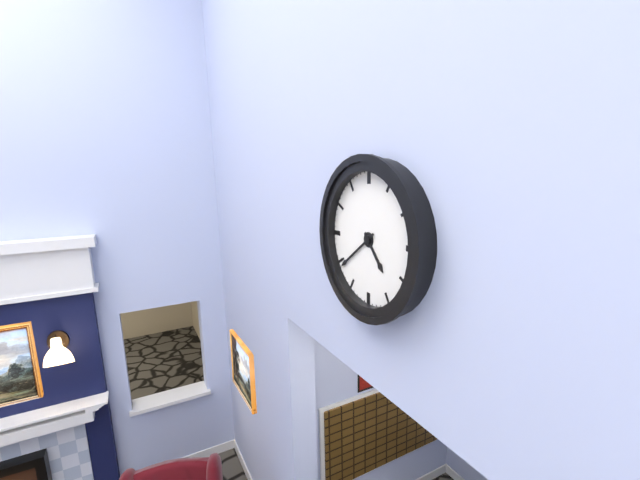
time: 4:39
